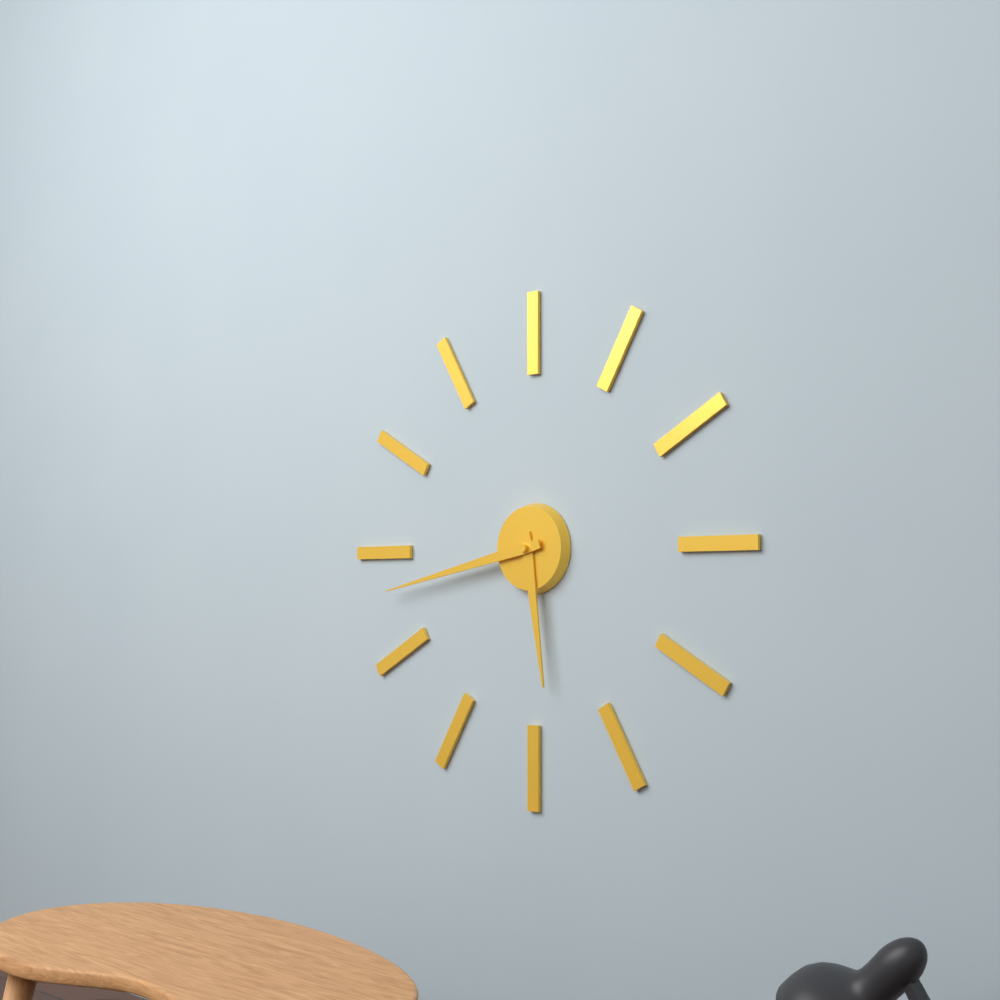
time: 5:43
